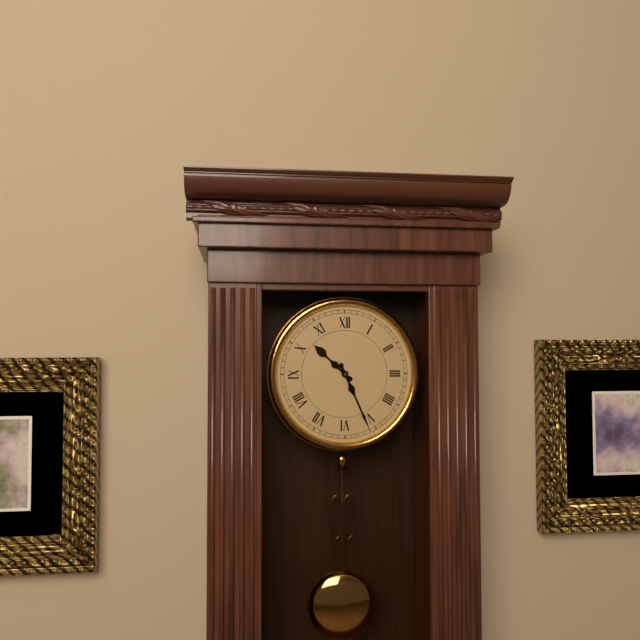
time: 10:26
